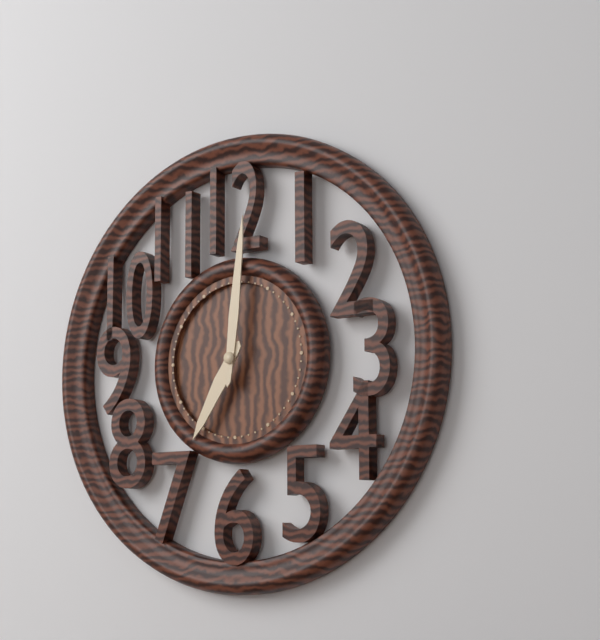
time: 7:01
